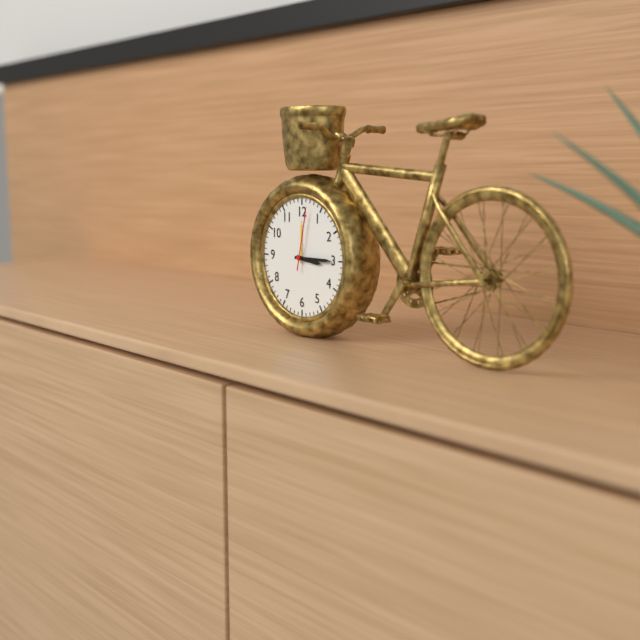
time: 3:15:02
